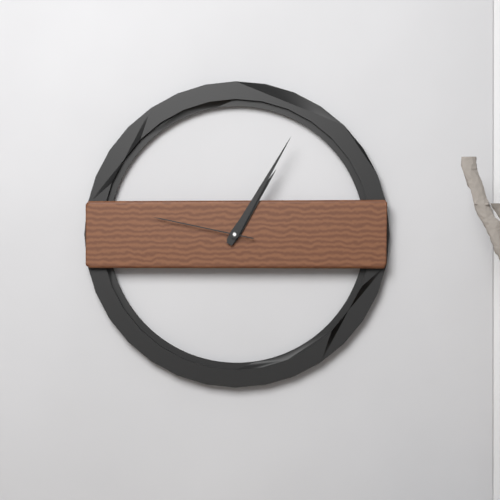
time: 1:05:47
